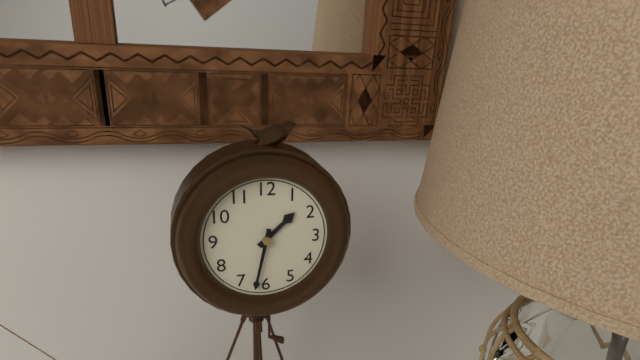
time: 1:32
